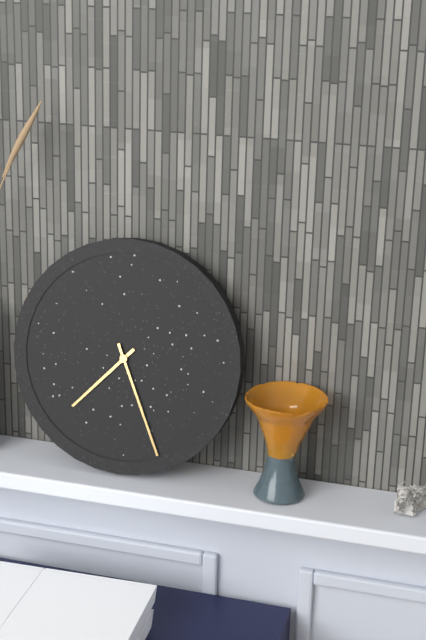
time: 7:26
